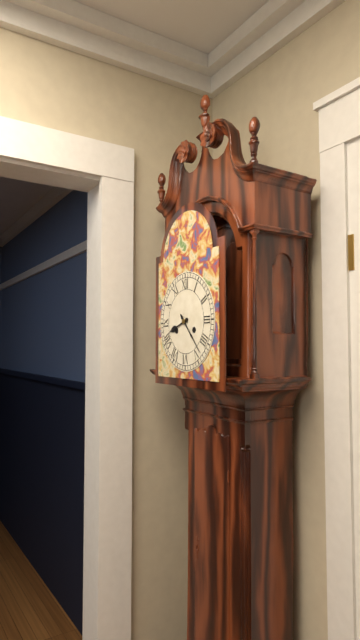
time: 8:23
